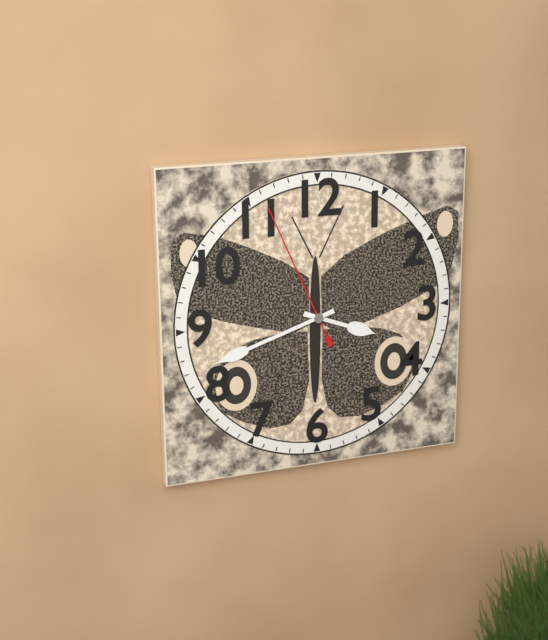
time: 3:42:56
